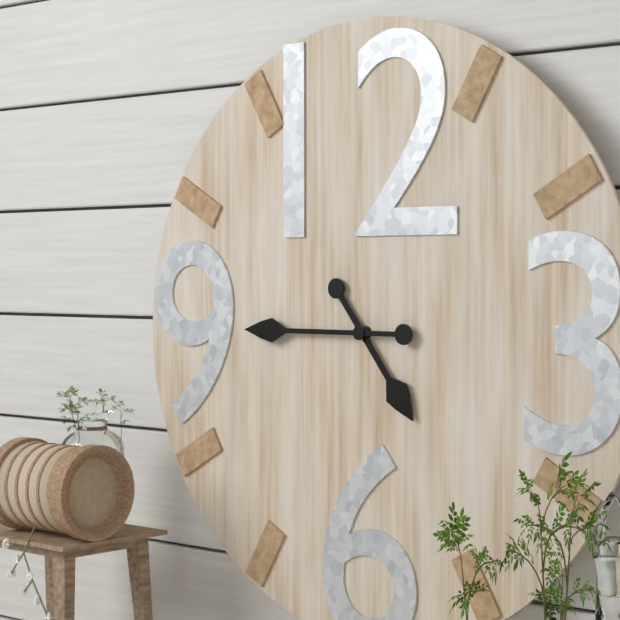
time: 4:45
